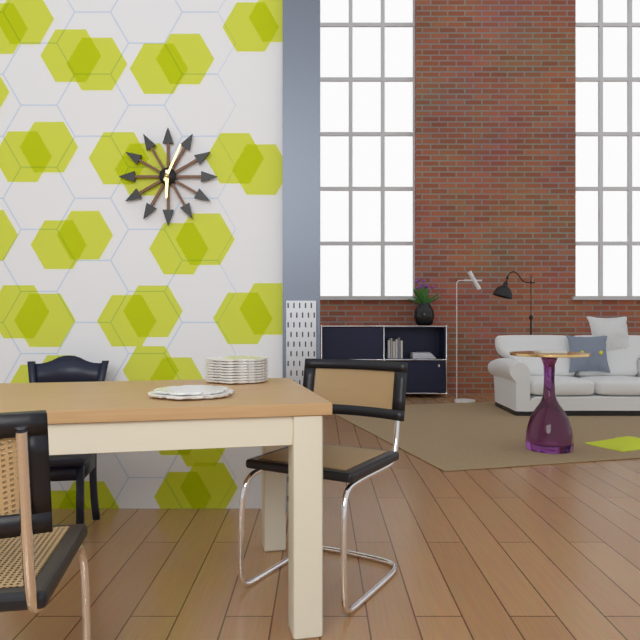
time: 6:04
